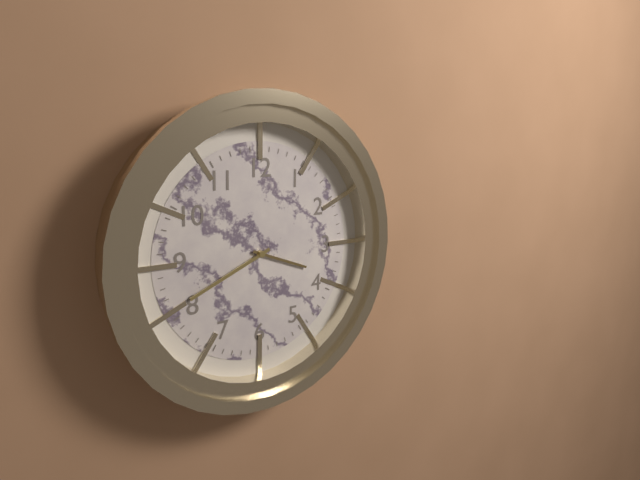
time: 3:41
